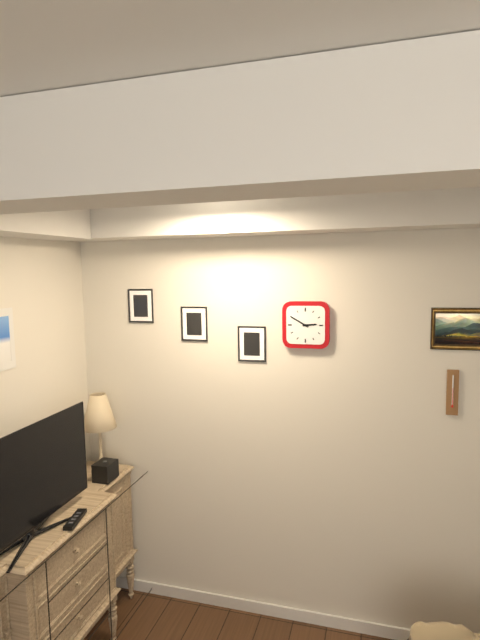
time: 2:50
